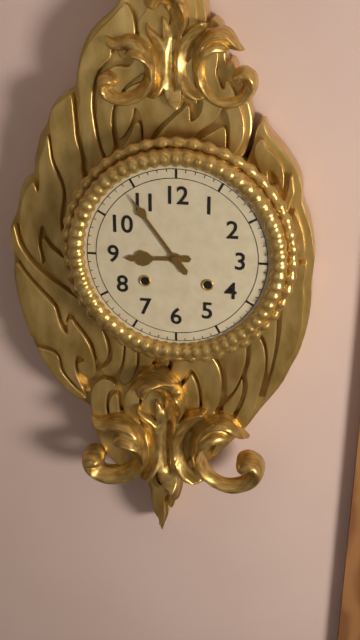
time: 8:54
